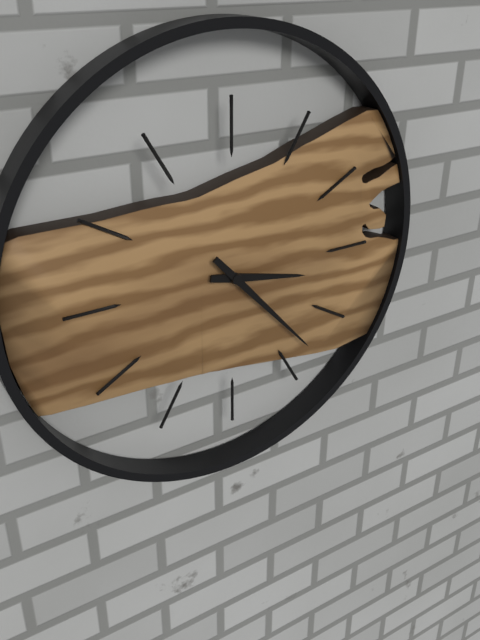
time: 3:23
